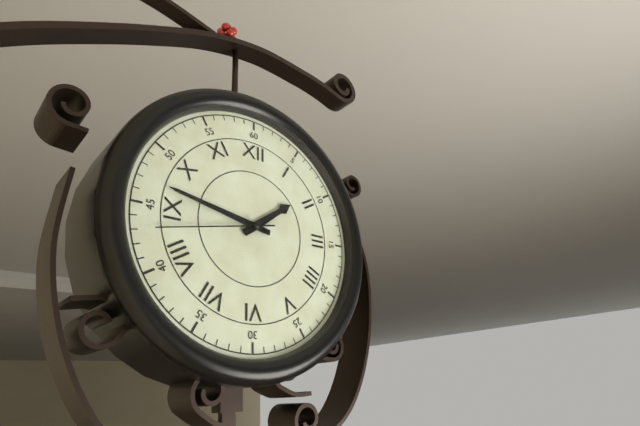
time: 1:47:43
